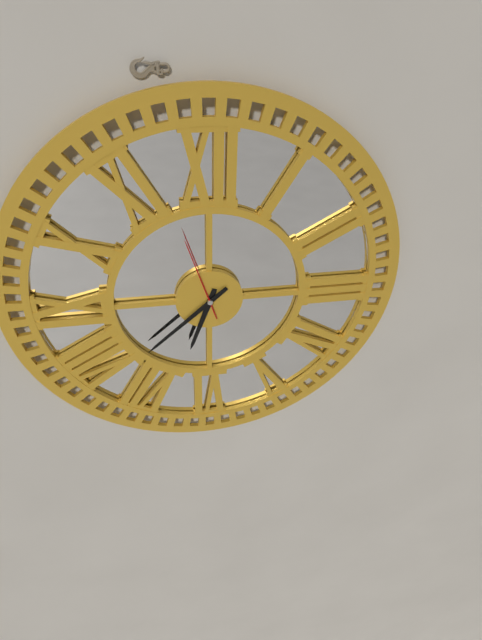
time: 6:38:57
